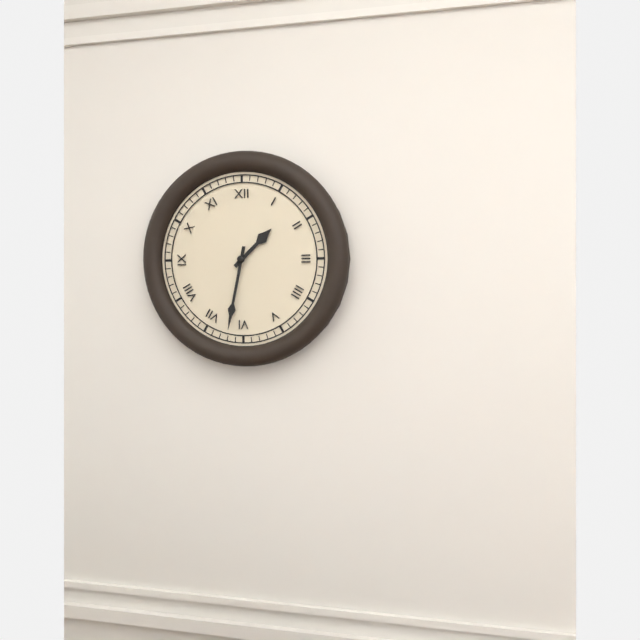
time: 1:32
